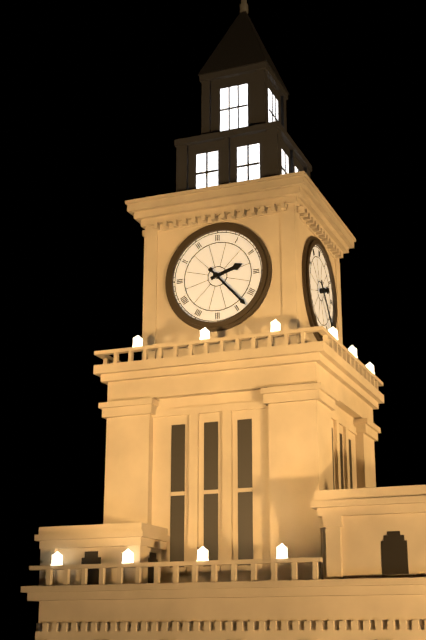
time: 2:23
